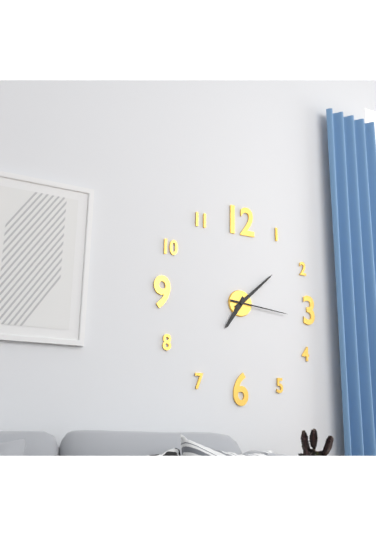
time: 7:08:16
